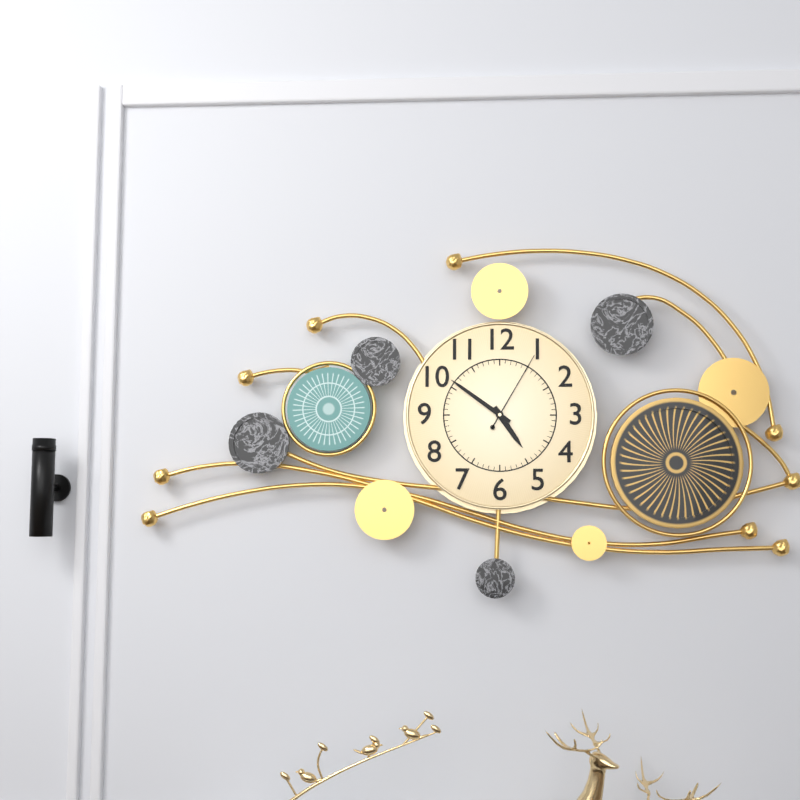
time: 4:51:05
